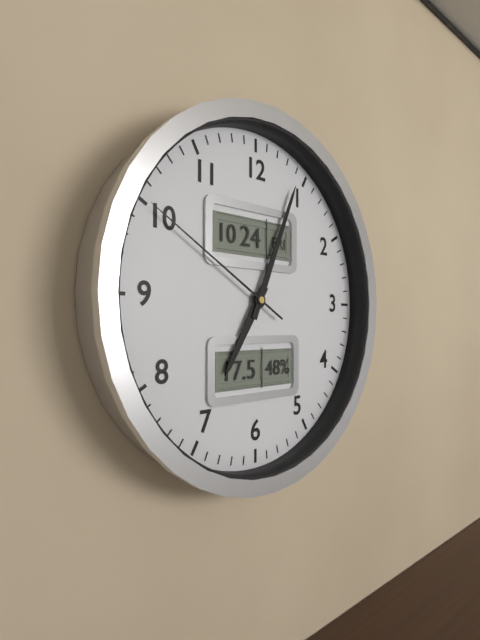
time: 7:04:50
